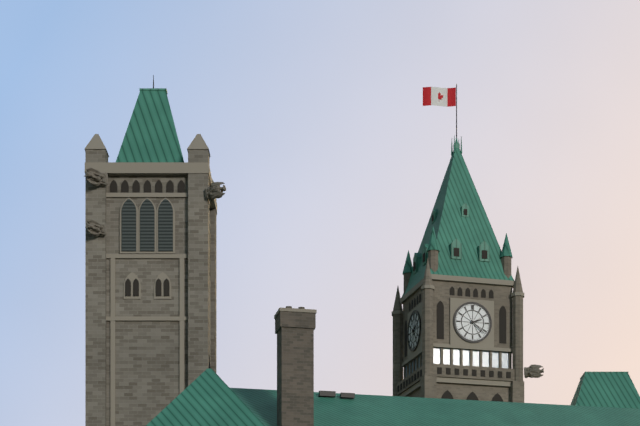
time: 2:22
